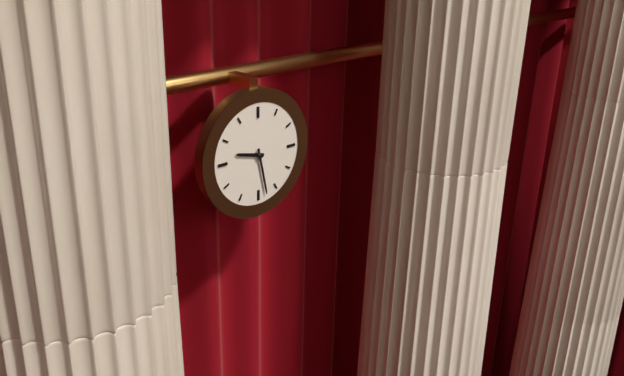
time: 9:28
